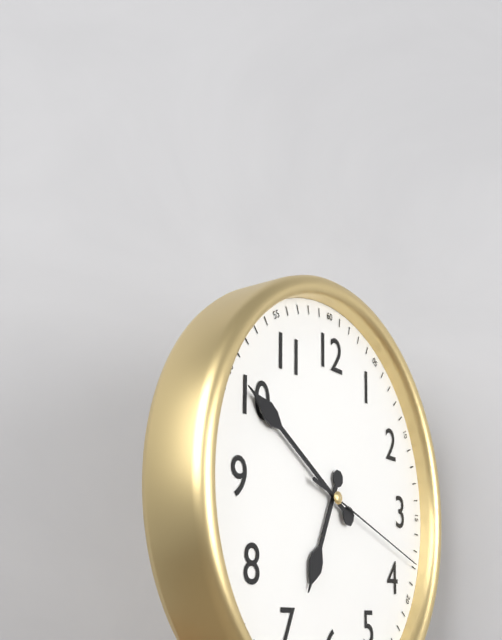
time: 6:50:18
